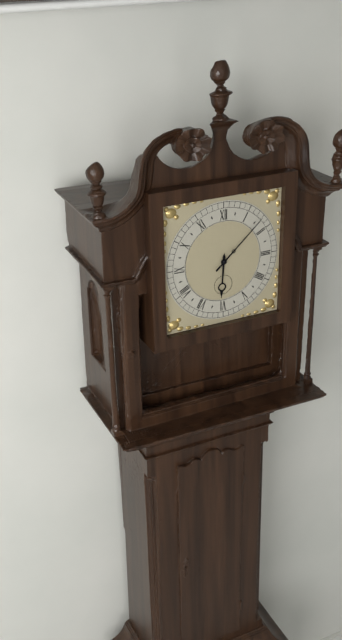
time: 6:08
